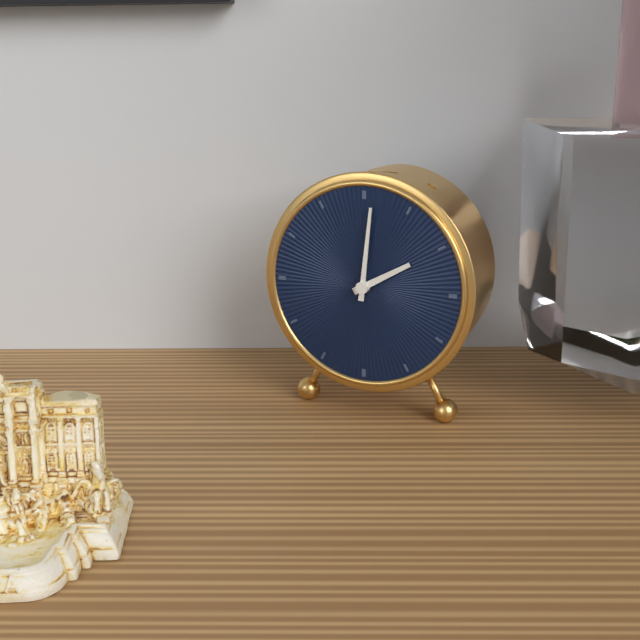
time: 2:01
